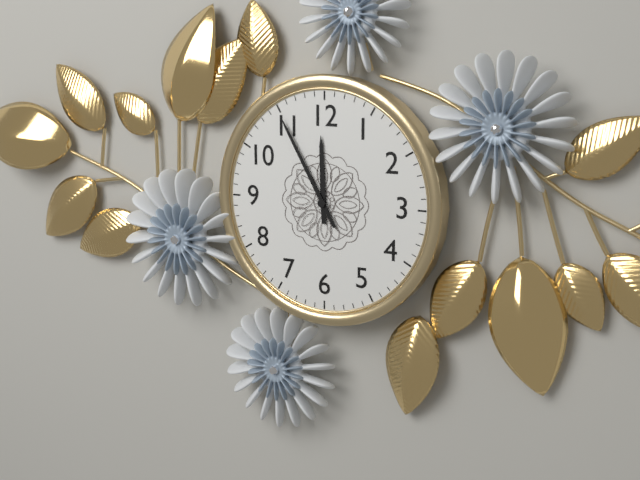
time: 11:55
